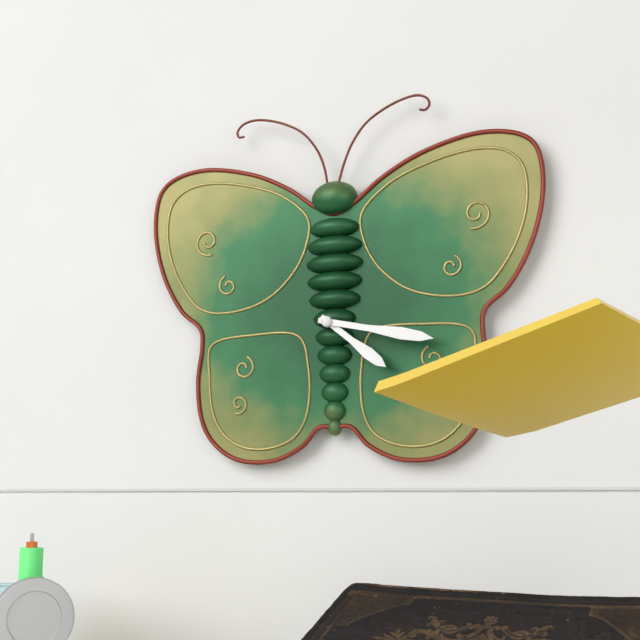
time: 4:17
